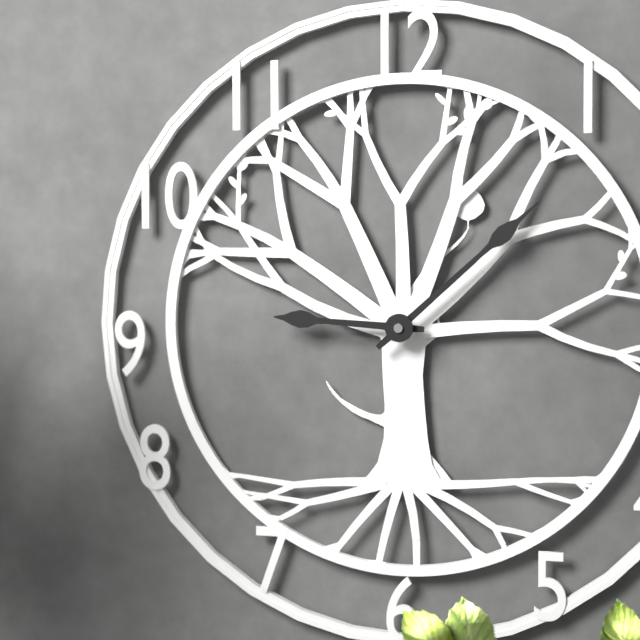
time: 9:08
